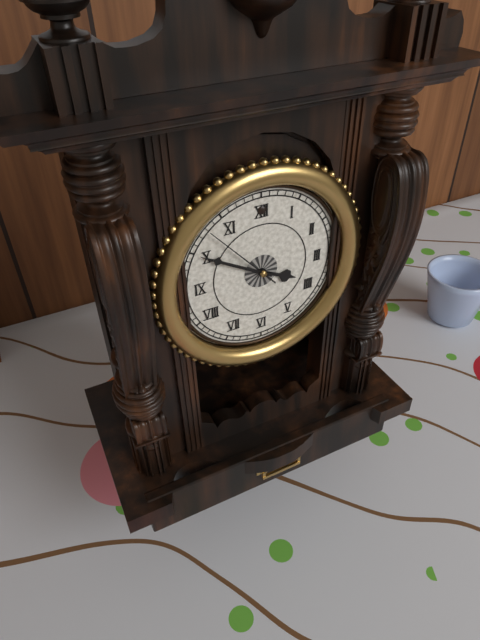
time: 3:50:53
